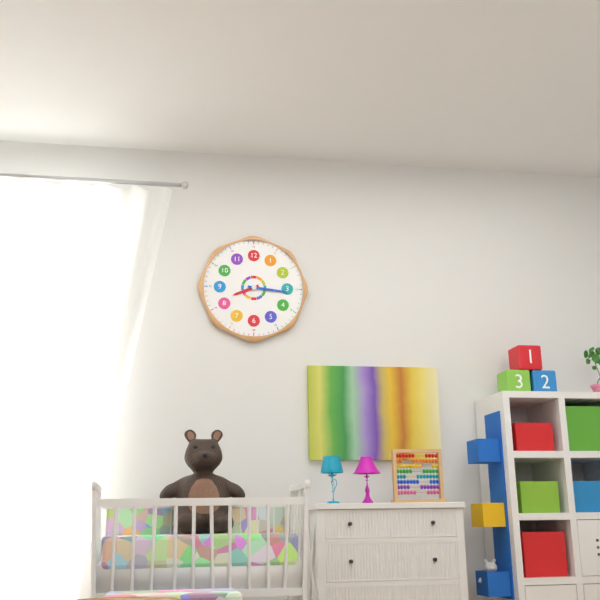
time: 8:16
